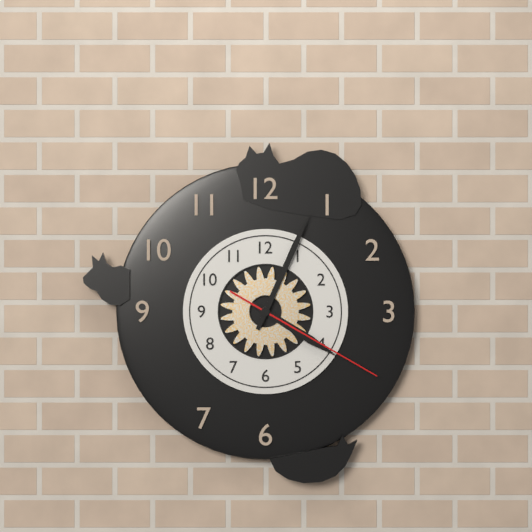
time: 4:04:20
